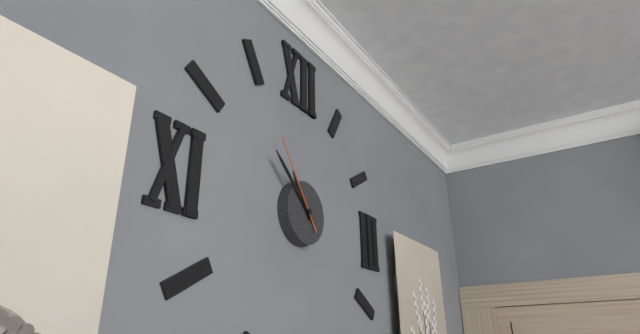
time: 10:52:54
